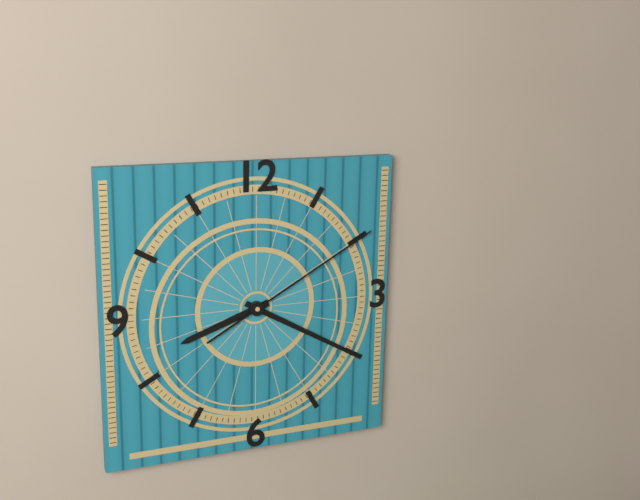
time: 8:20:10
